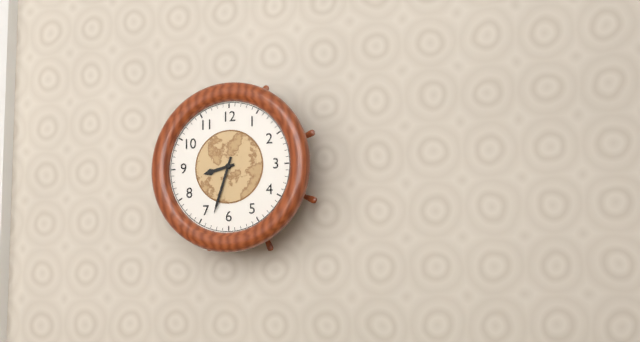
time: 8:33
